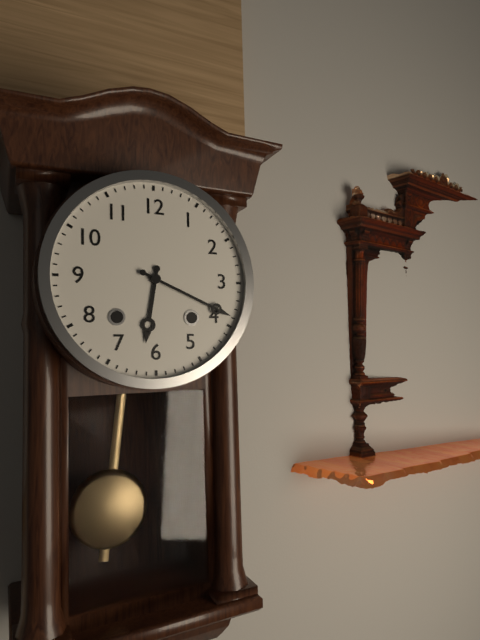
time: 6:19
